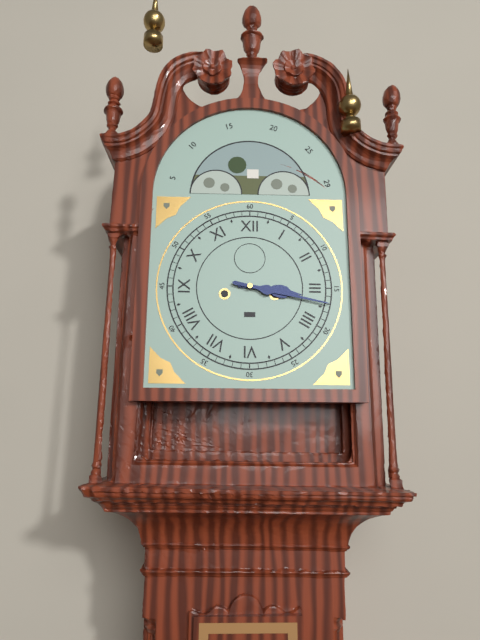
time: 3:17
